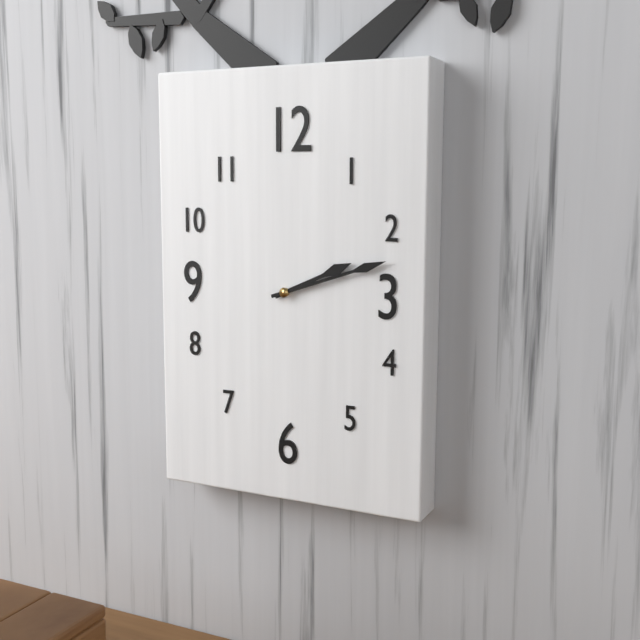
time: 2:12
